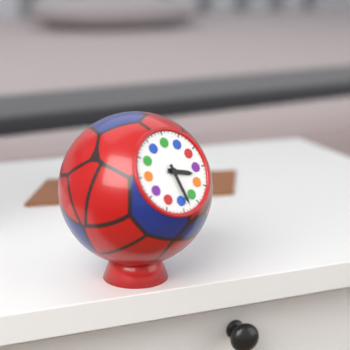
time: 3:28
